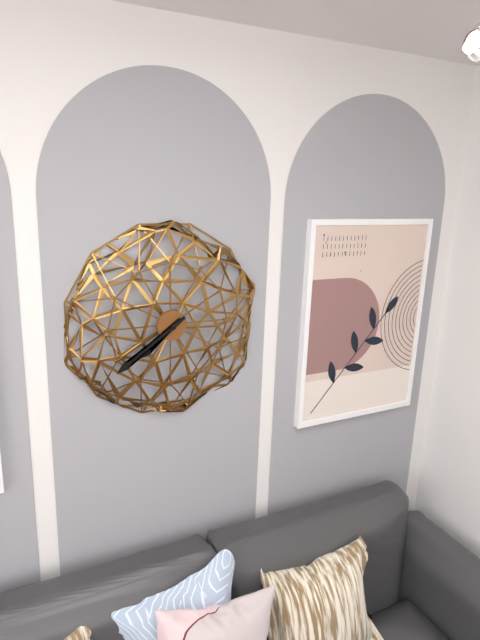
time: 7:39
